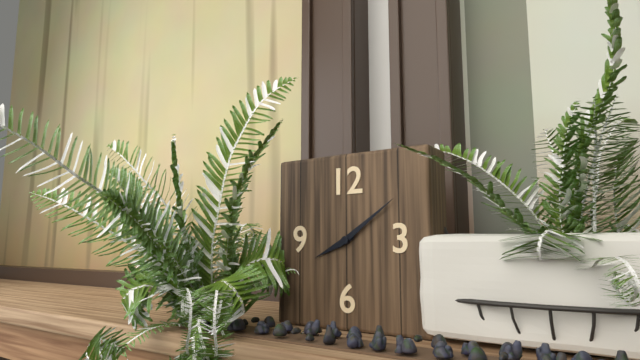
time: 8:09
